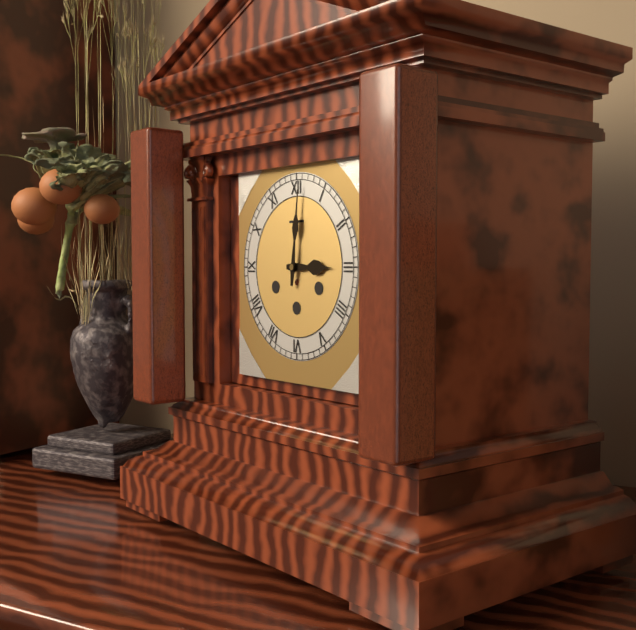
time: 3:01
